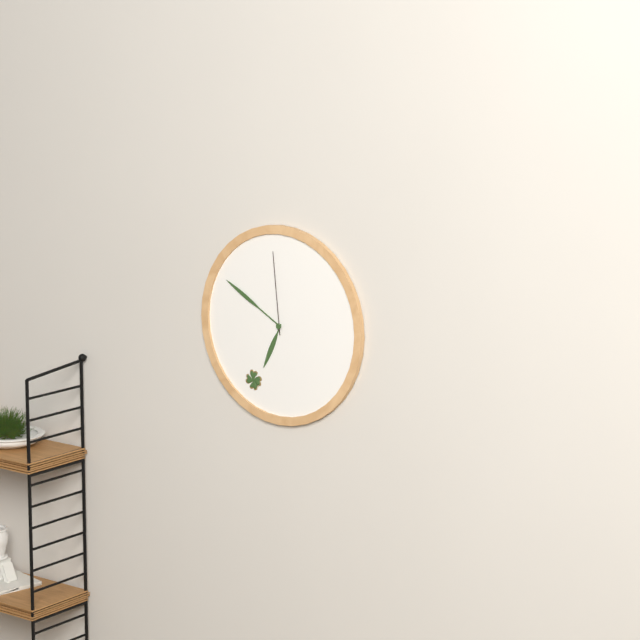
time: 6:50:59
